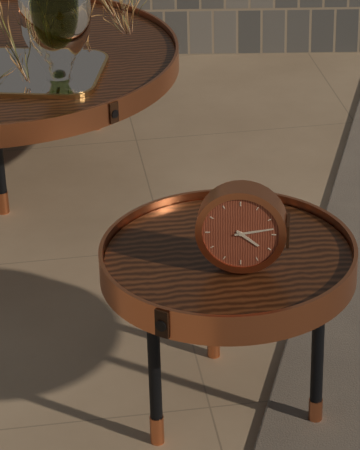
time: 4:13
